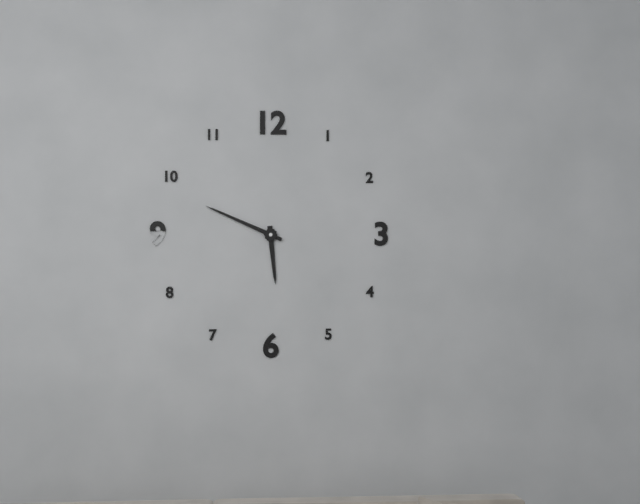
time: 5:49
